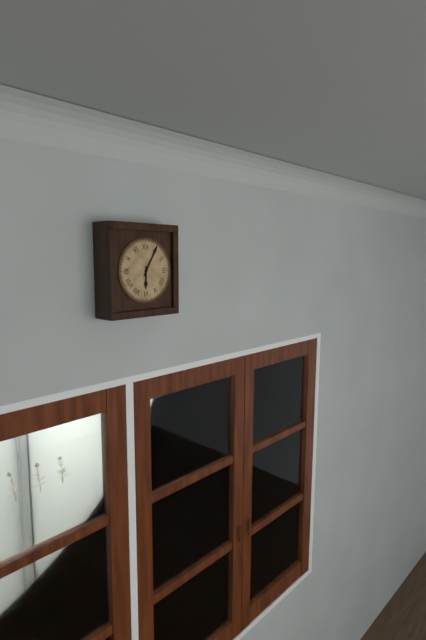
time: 6:05
